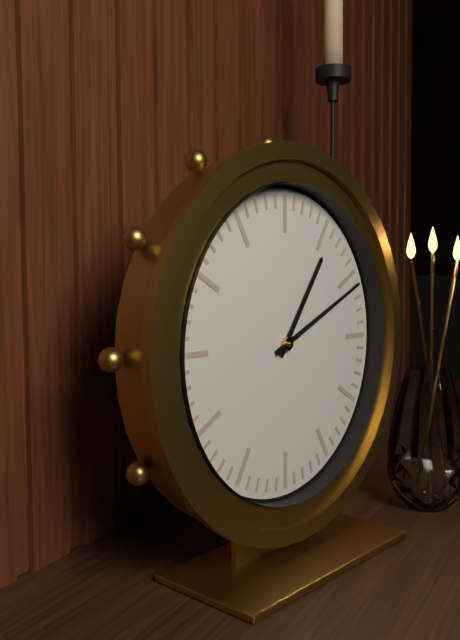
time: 1:11
